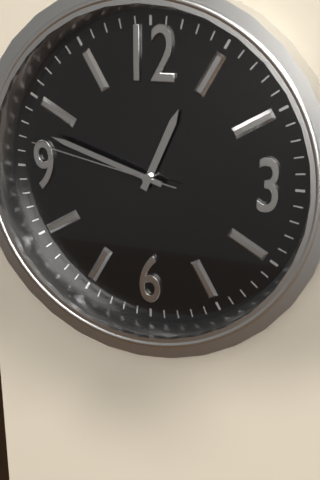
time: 12:48:47
